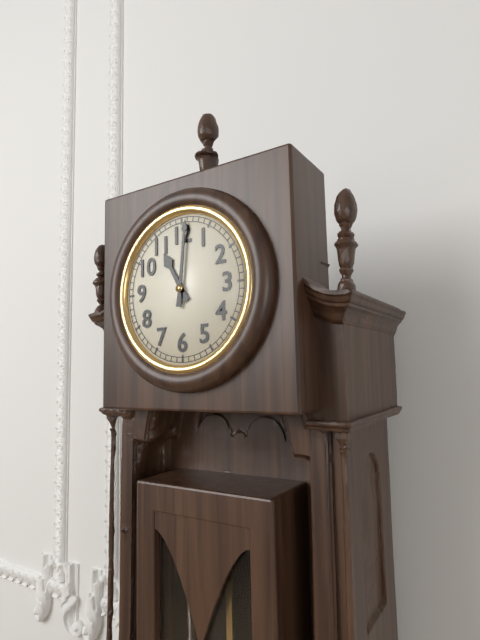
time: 11:01
